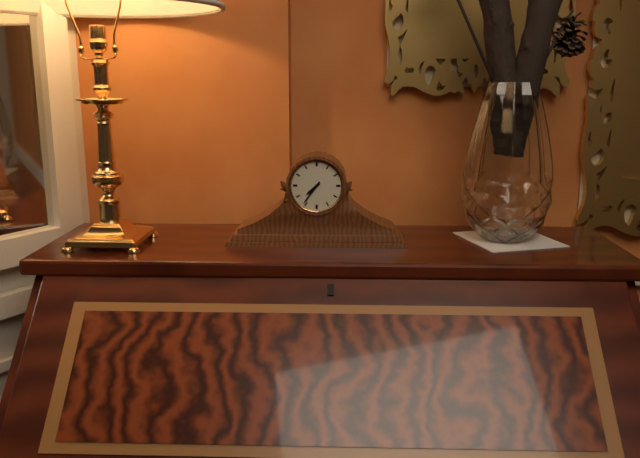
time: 7:36
